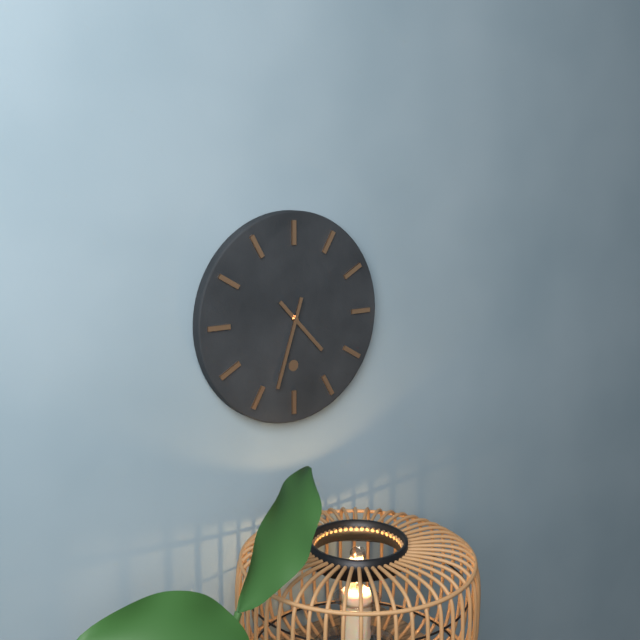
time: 4:33
